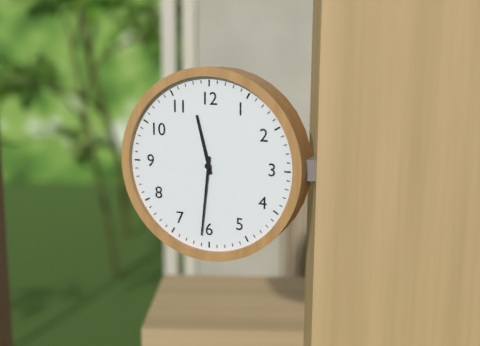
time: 11:31
